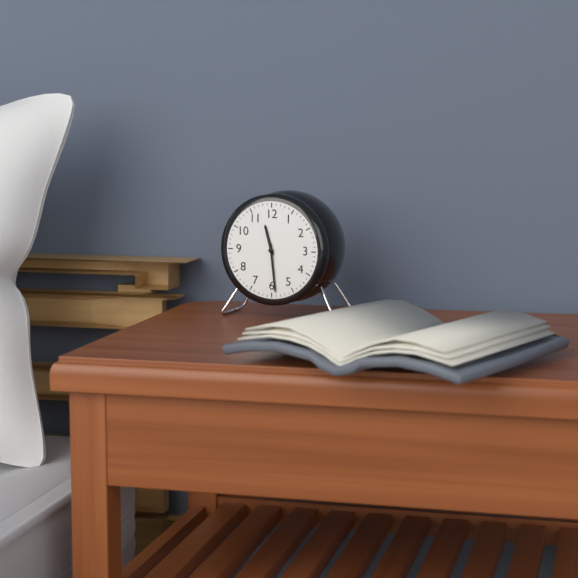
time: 11:29
